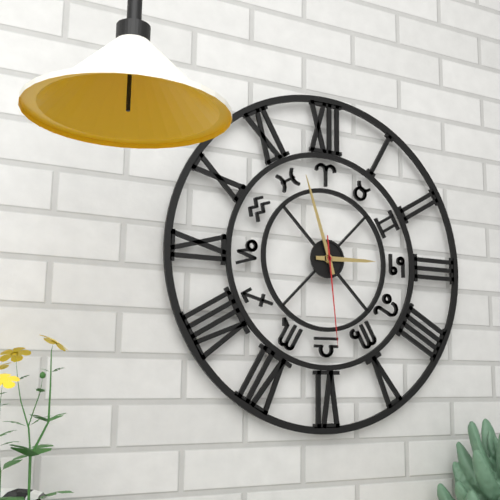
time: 2:57:29
